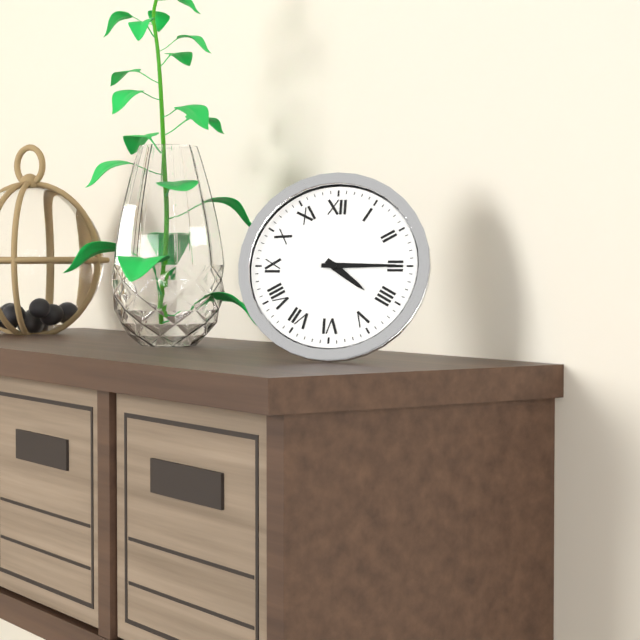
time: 4:15
